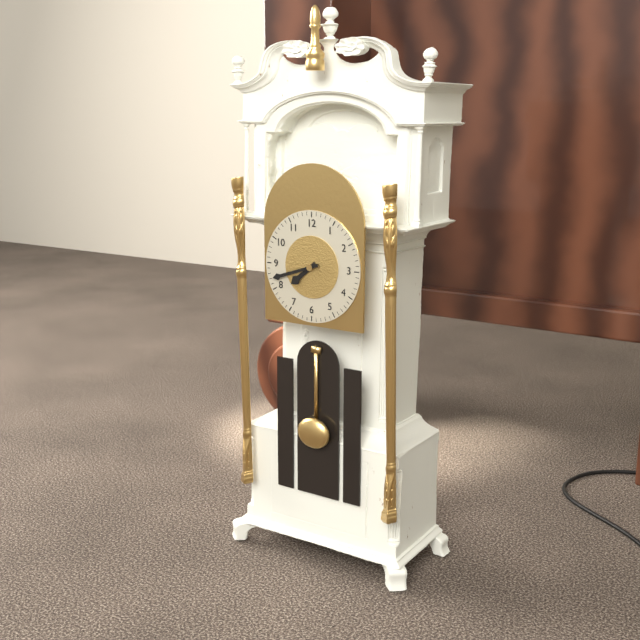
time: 7:42
